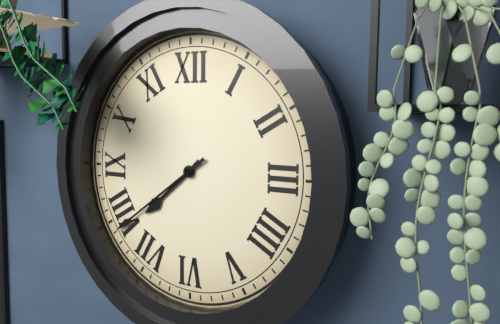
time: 7:39
